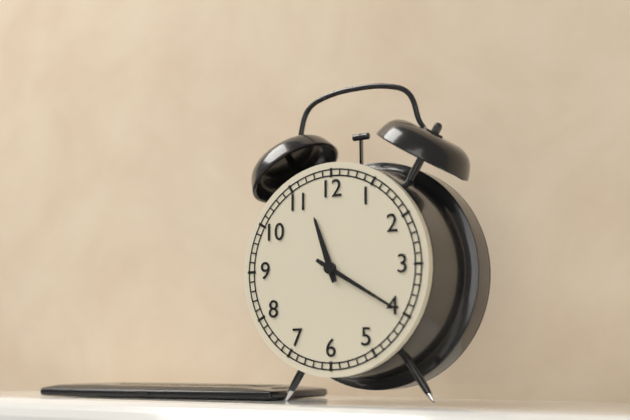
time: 11:20
